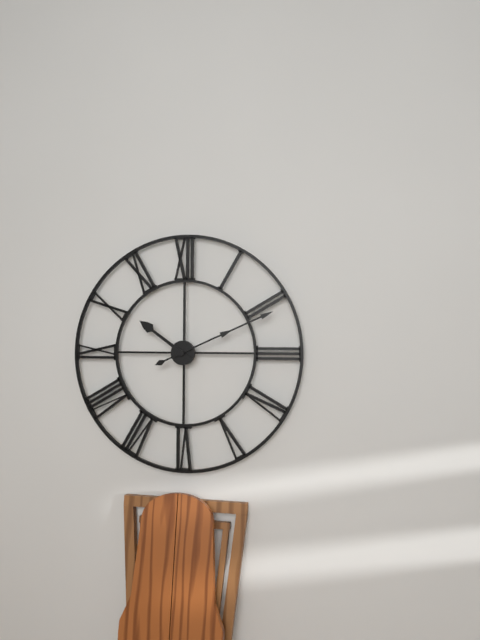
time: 10:11
